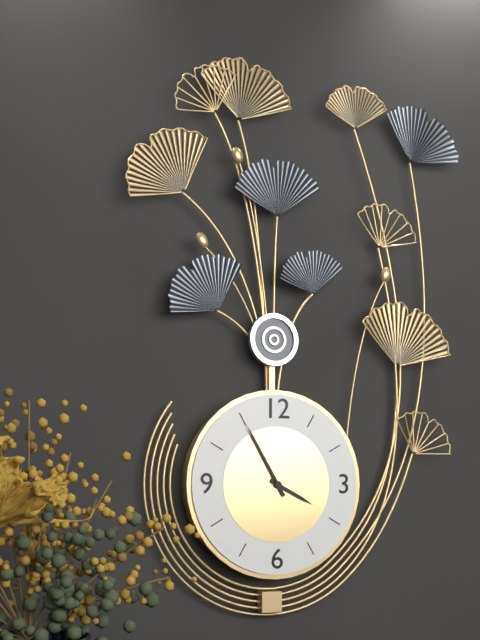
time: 3:55
